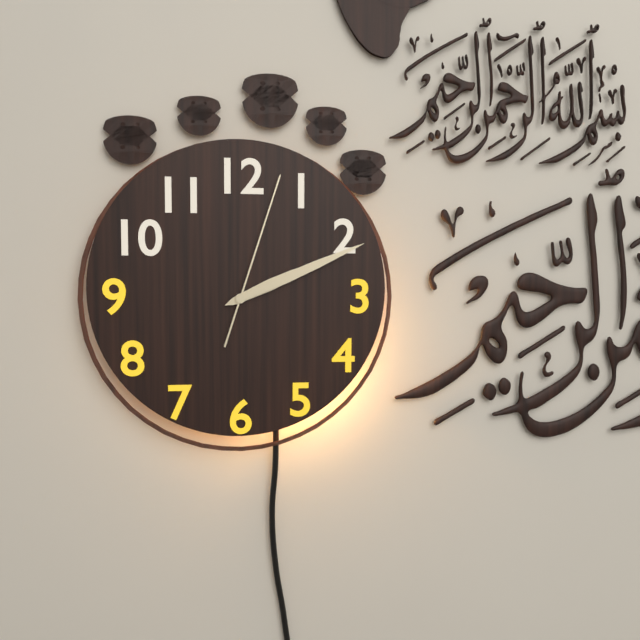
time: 2:11:03
